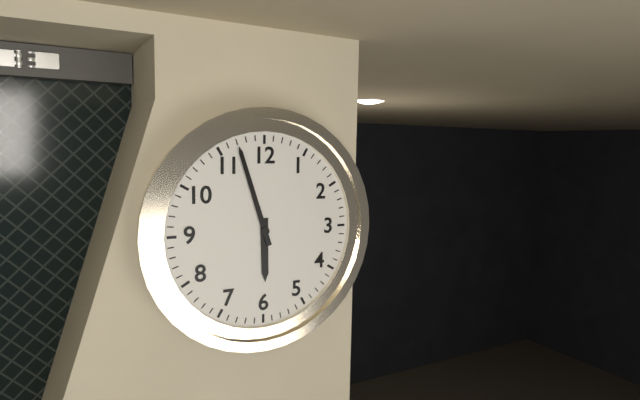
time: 5:57
